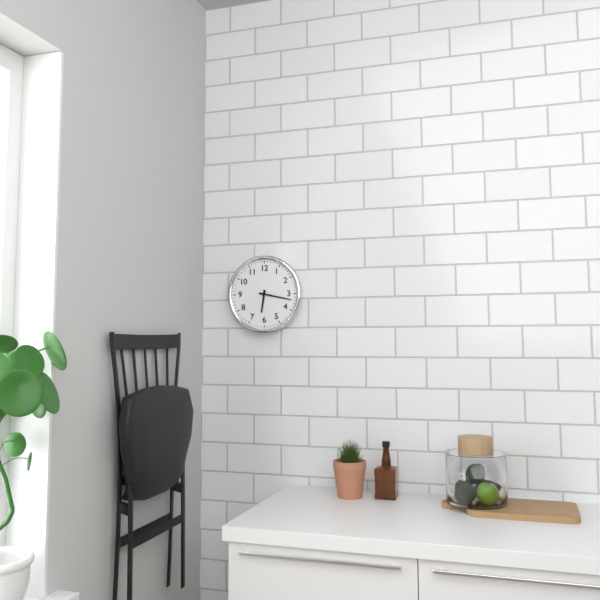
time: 6:17
